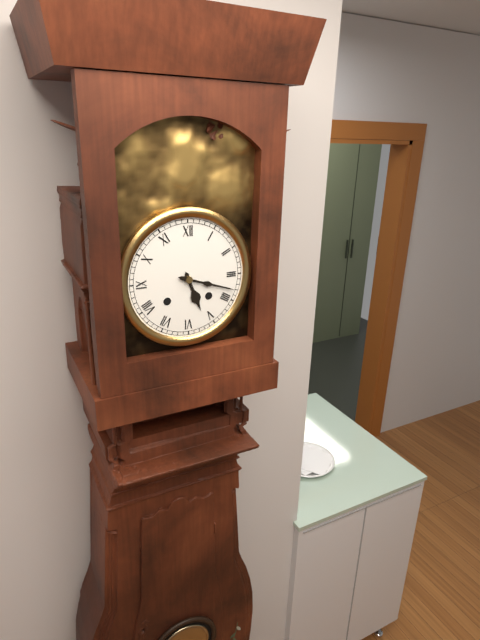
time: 5:18
